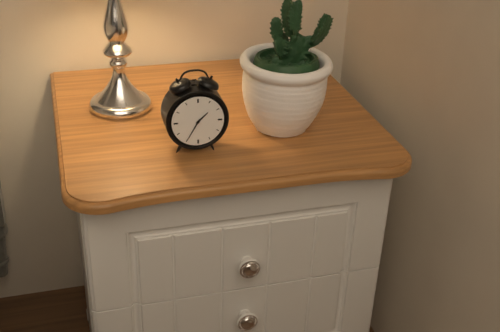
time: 1:35
